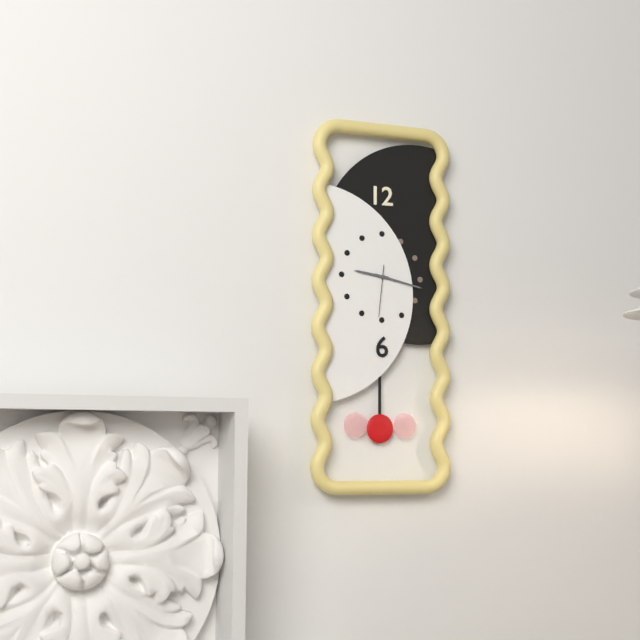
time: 9:17:31
